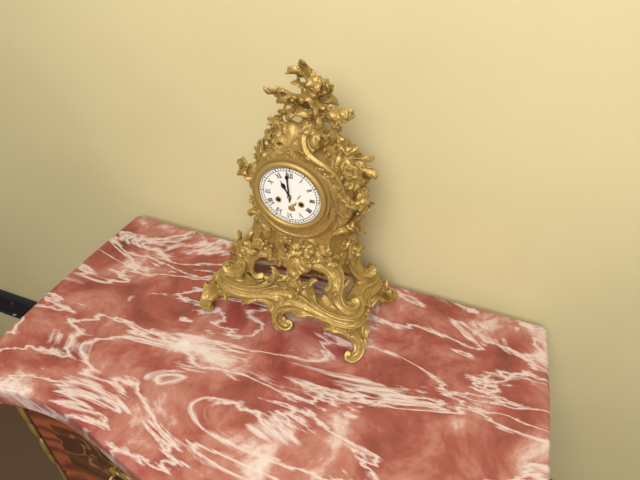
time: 10:59
